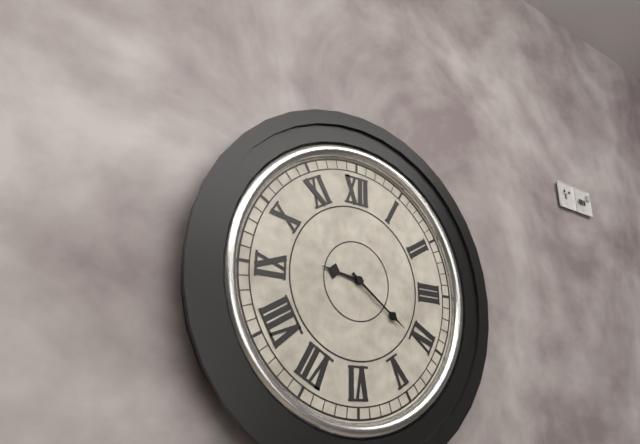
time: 9:21
